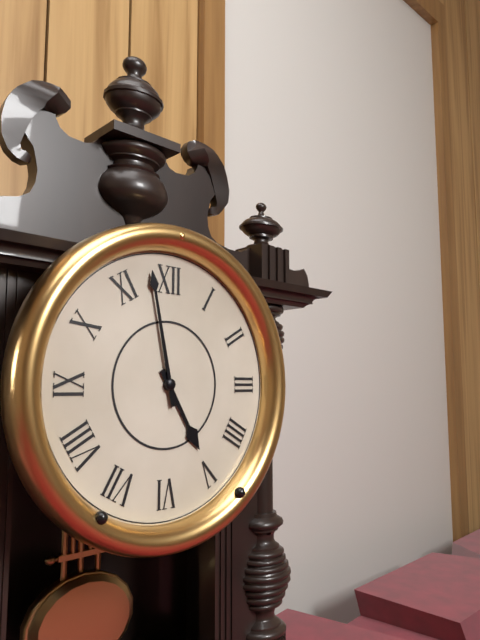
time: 4:58
